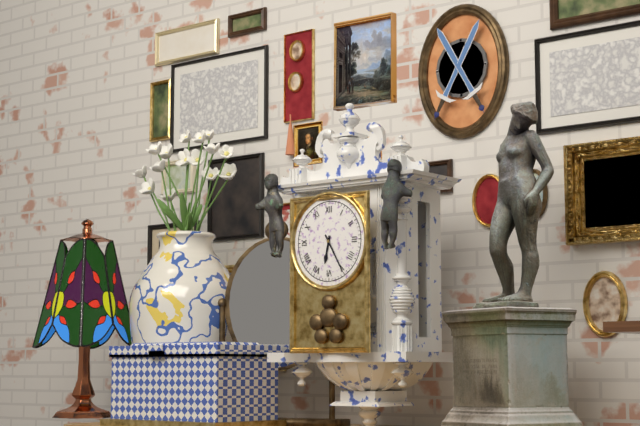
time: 6:25
